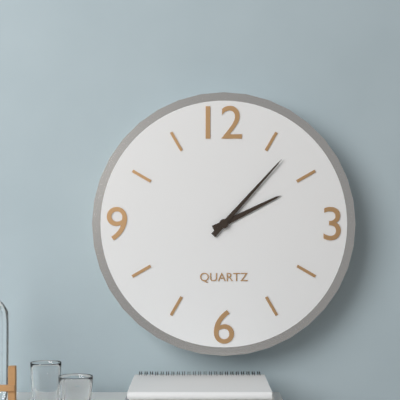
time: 2:07
